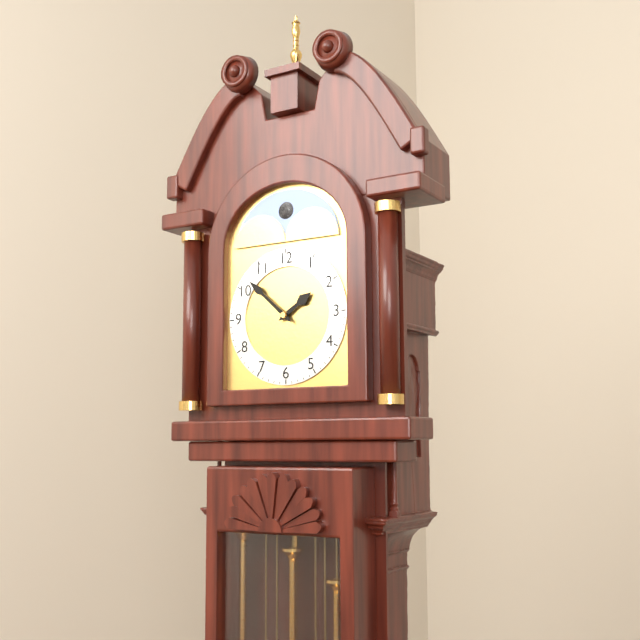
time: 1:52
